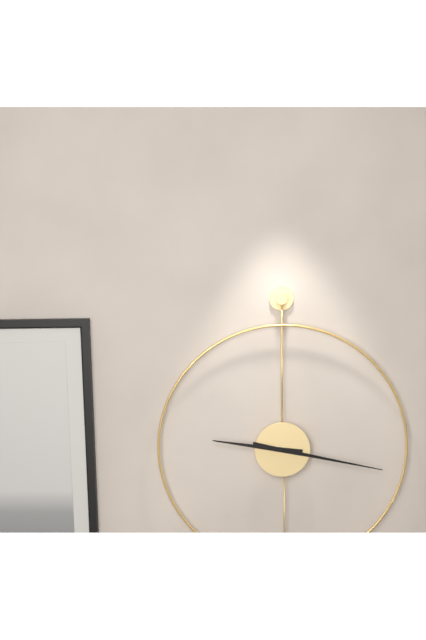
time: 9:17
